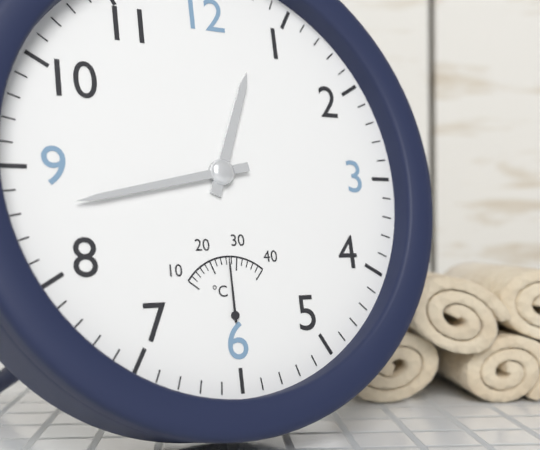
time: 12:43
